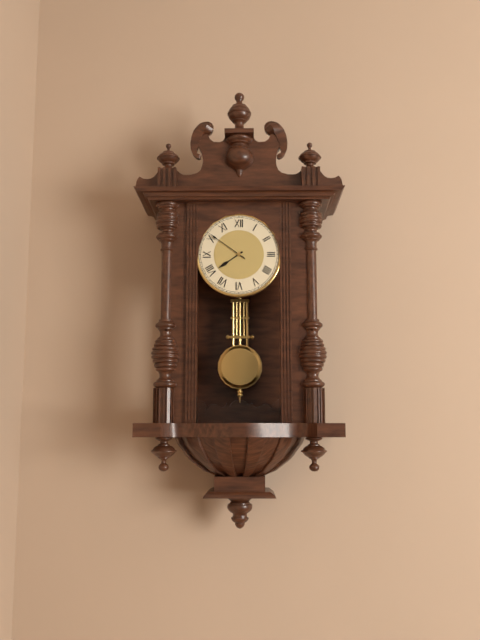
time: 7:51
